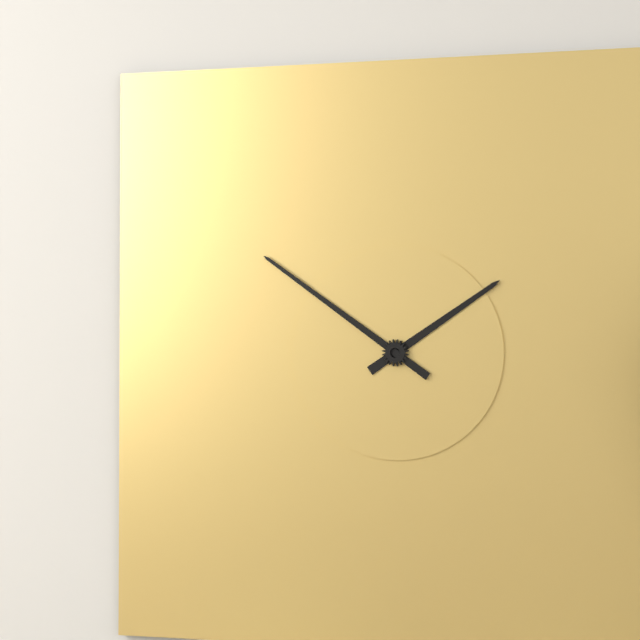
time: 1:51
